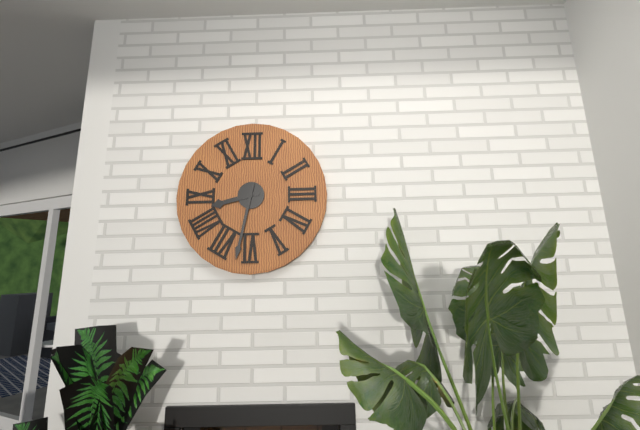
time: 8:32
